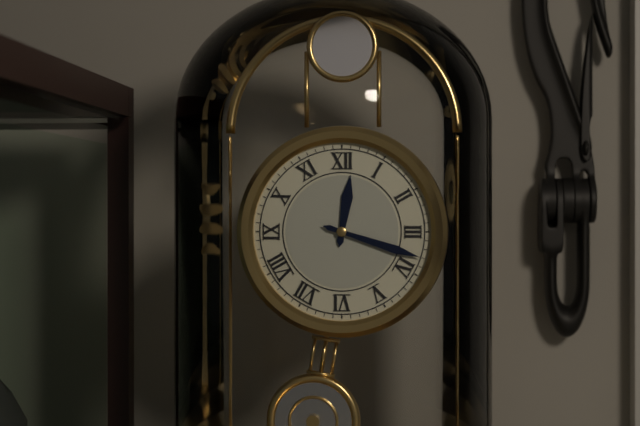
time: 12:18
